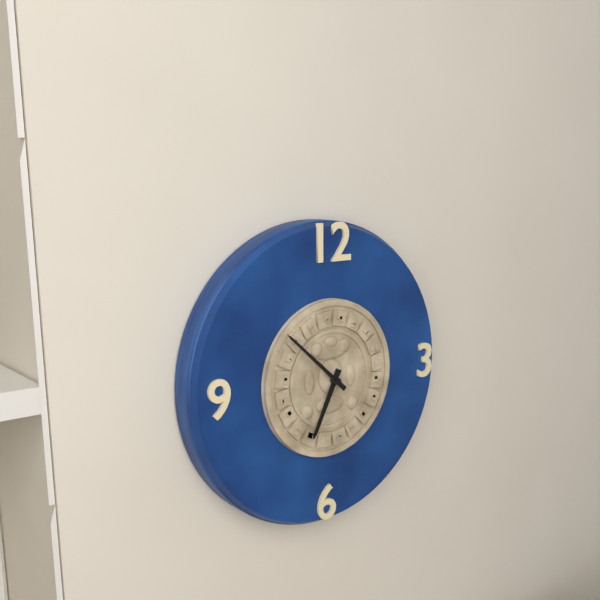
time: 6:52
